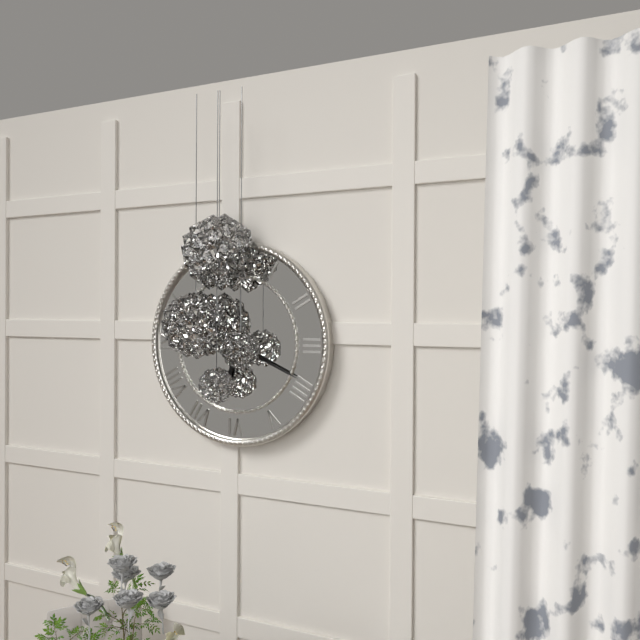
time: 6:19
